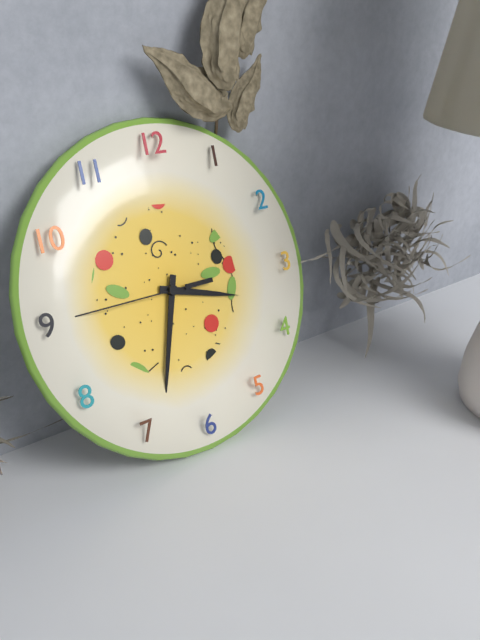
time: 3:33:45
